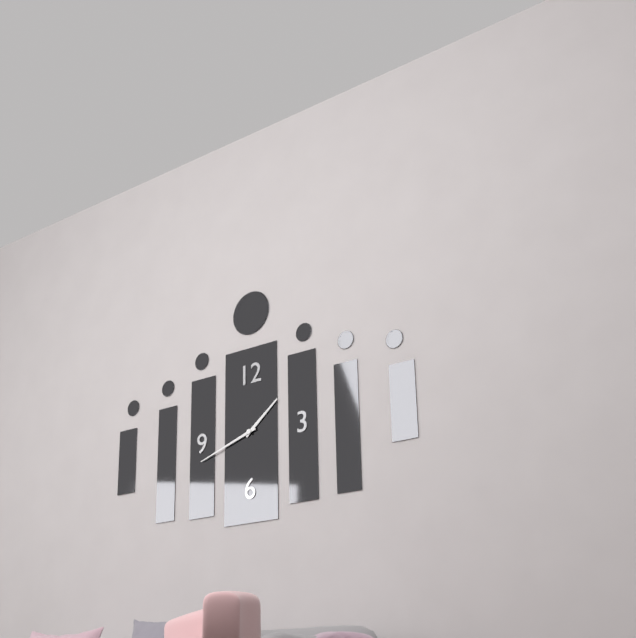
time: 1:42
